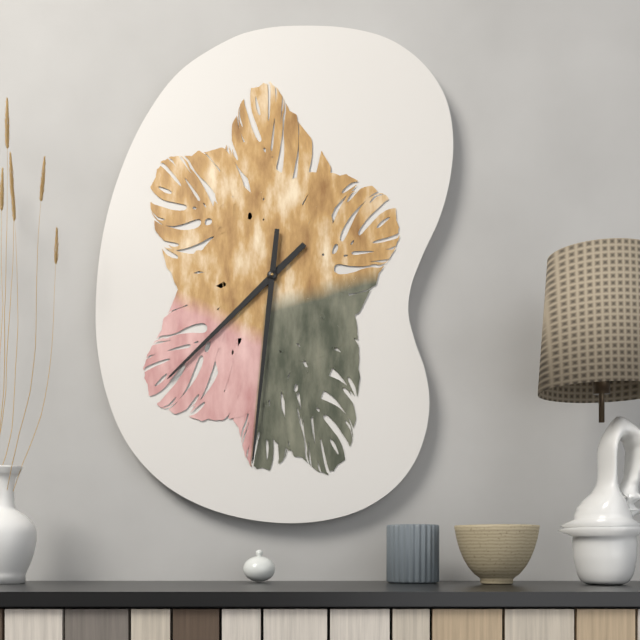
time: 7:31
